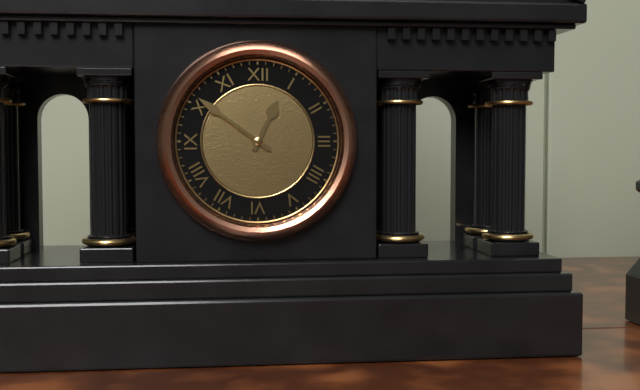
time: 12:51
